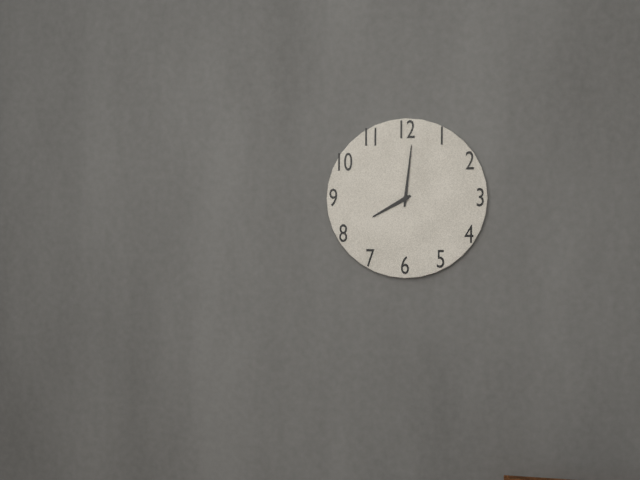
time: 8:01
